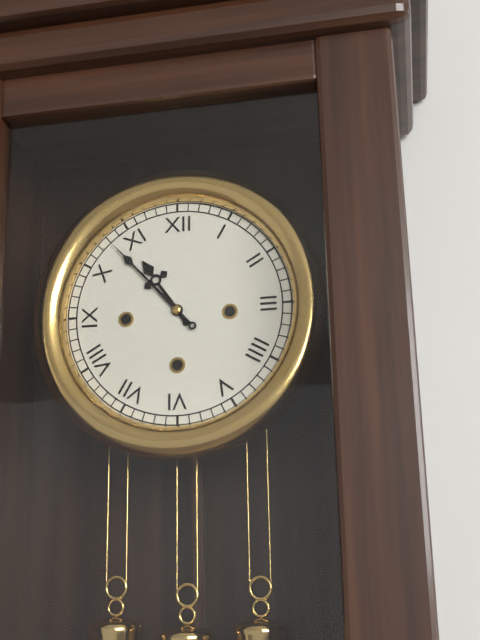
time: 10:53
